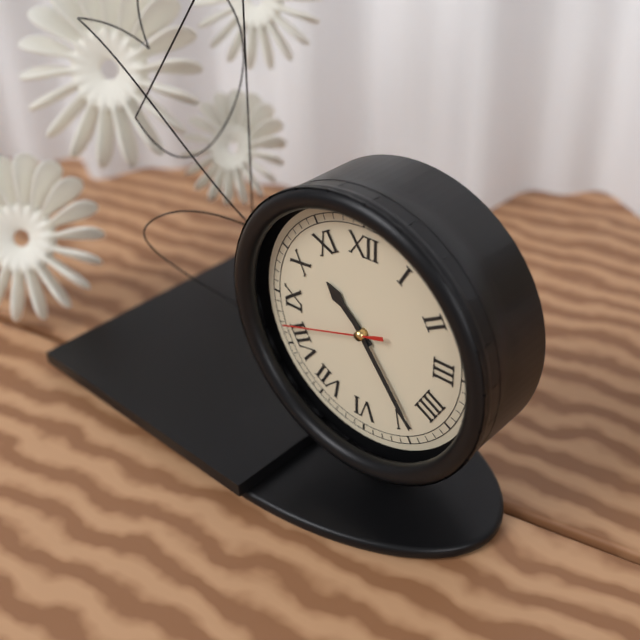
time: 10:24:42
